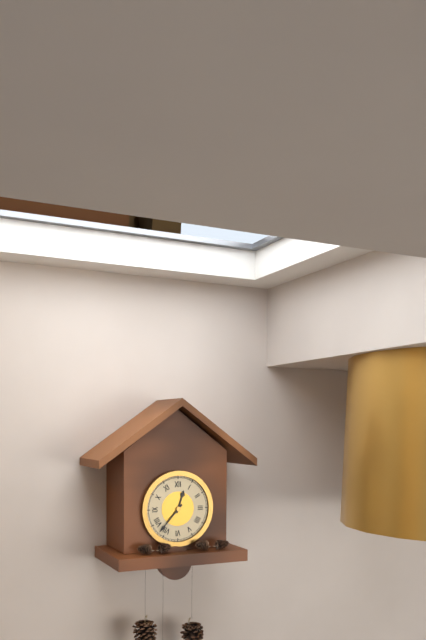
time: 12:37
